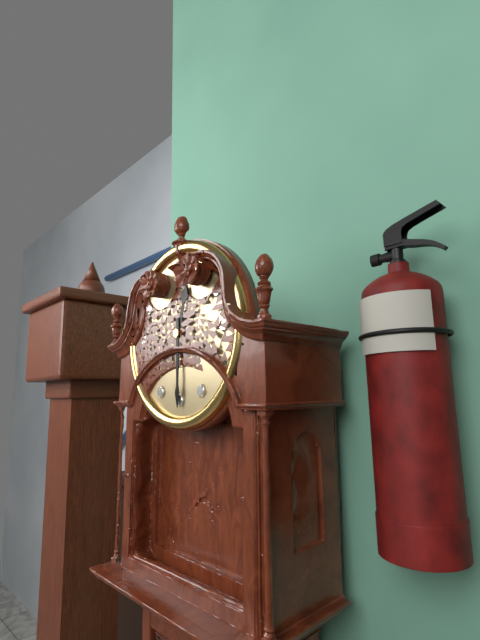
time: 12:30
